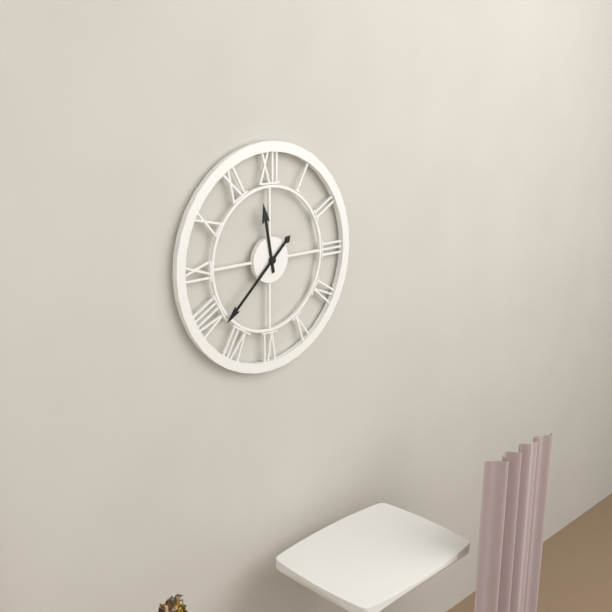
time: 11:38
